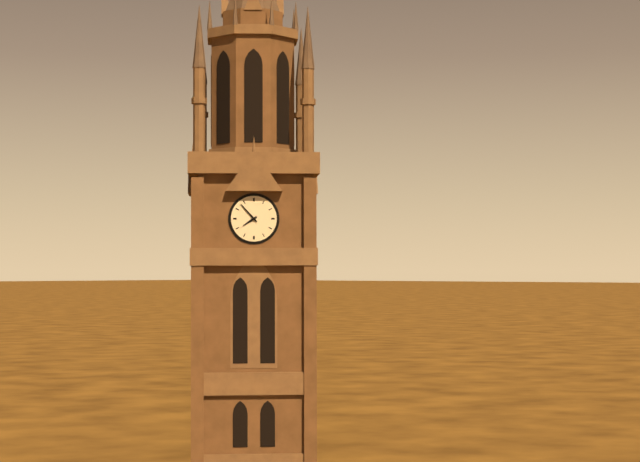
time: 7:53
